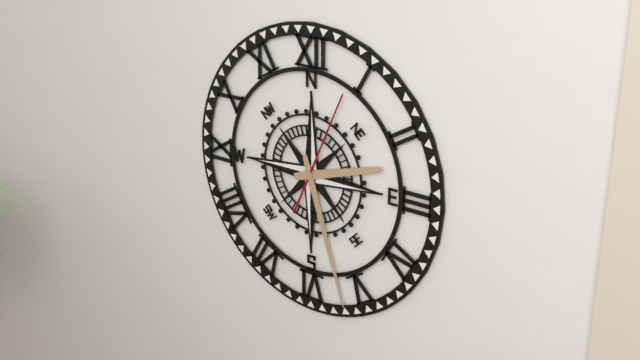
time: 2:27:04
